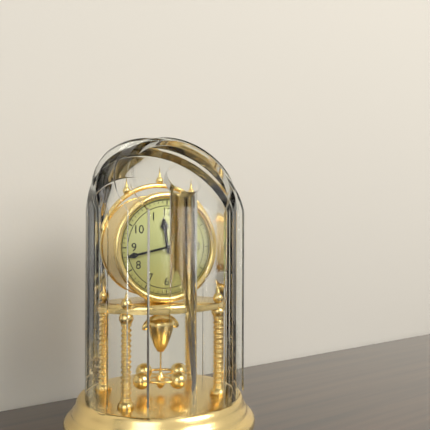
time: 11:43
